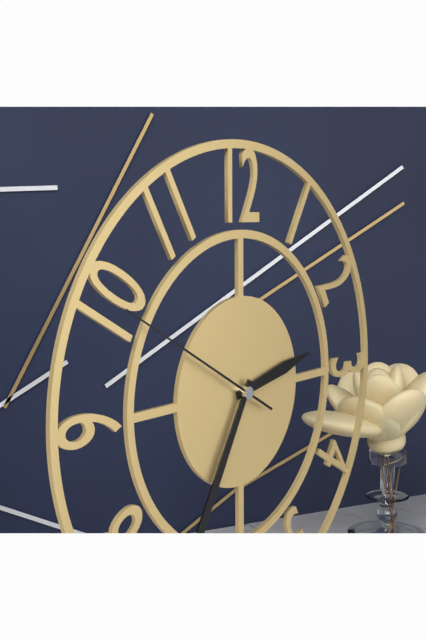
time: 2:35:50
